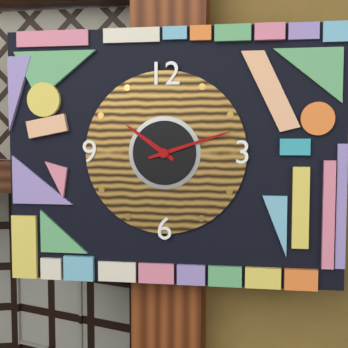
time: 10:12
